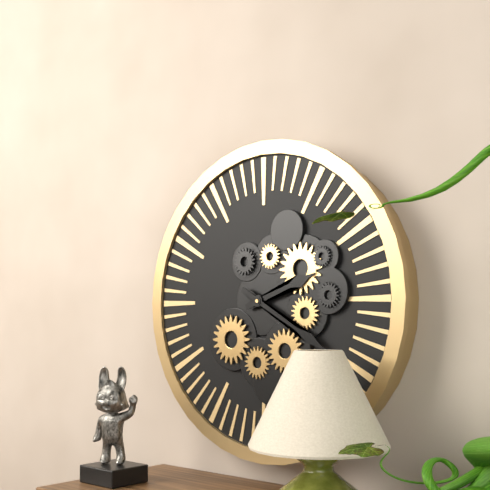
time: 2:20
